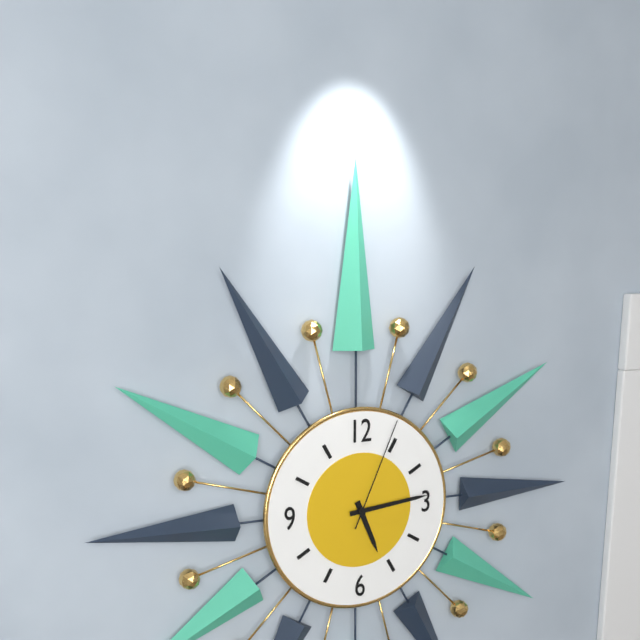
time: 5:14:04
